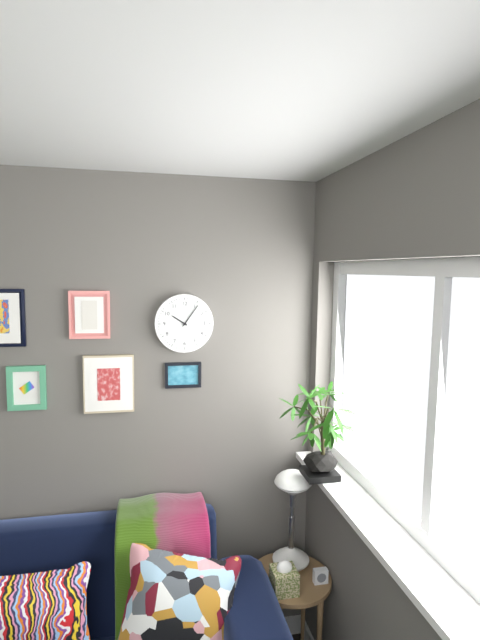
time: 10:06
